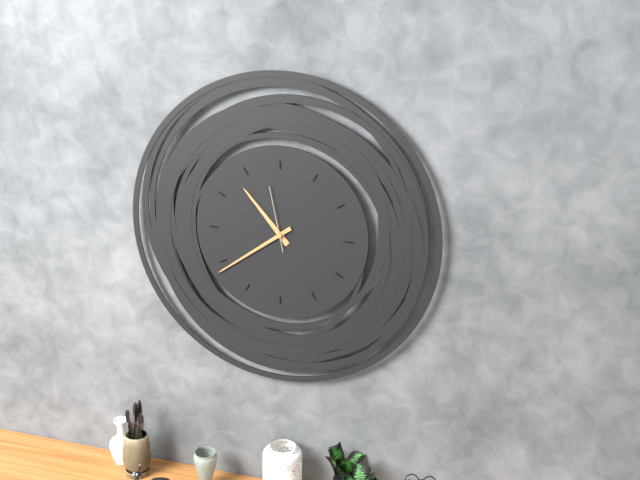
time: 10:39:58
